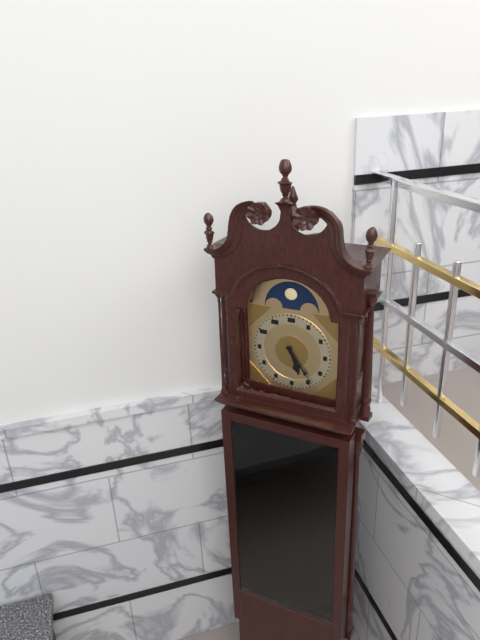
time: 5:24
